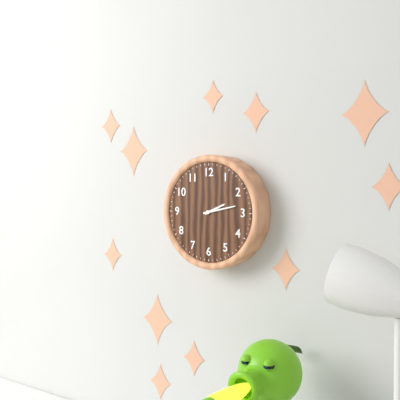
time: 2:13
